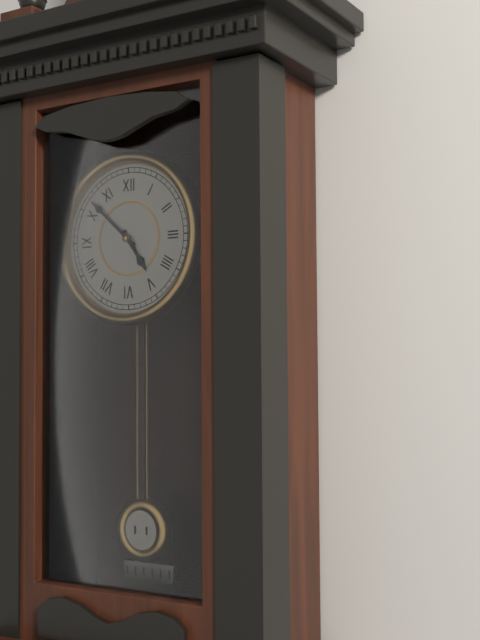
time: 4:52
